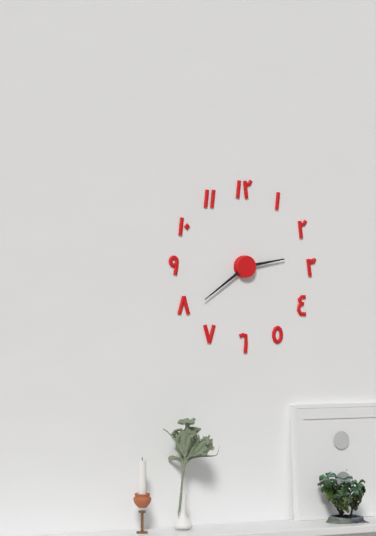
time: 2:39
